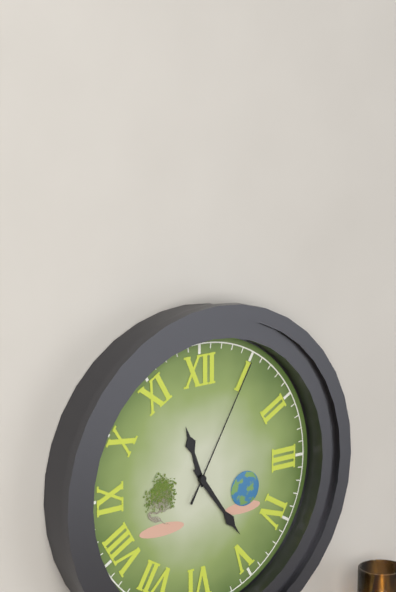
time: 11:24:05
